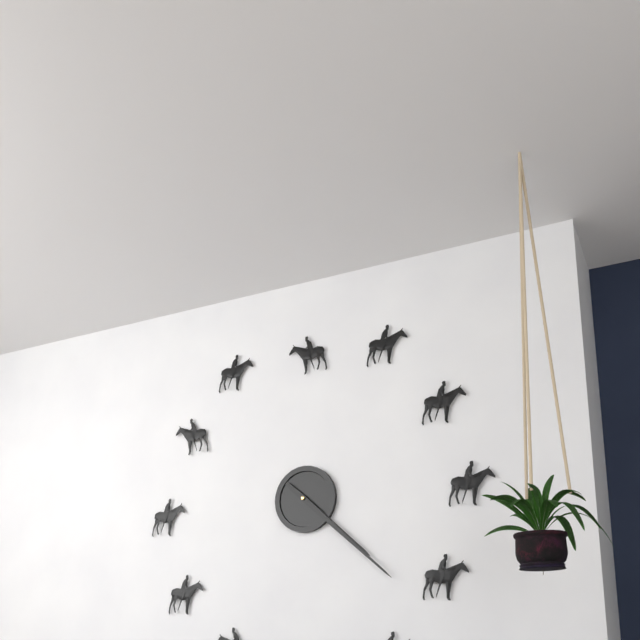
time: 4:22
